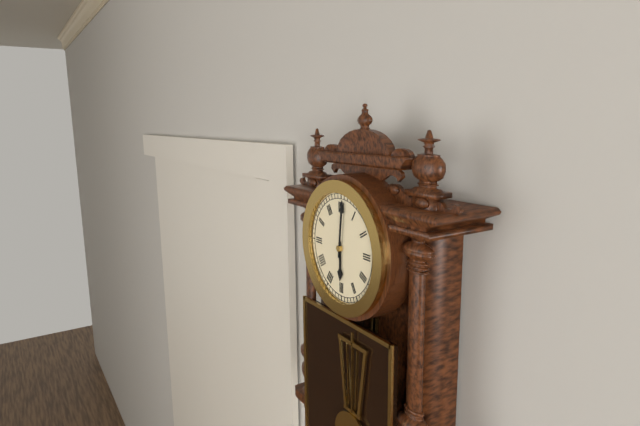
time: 6:01
